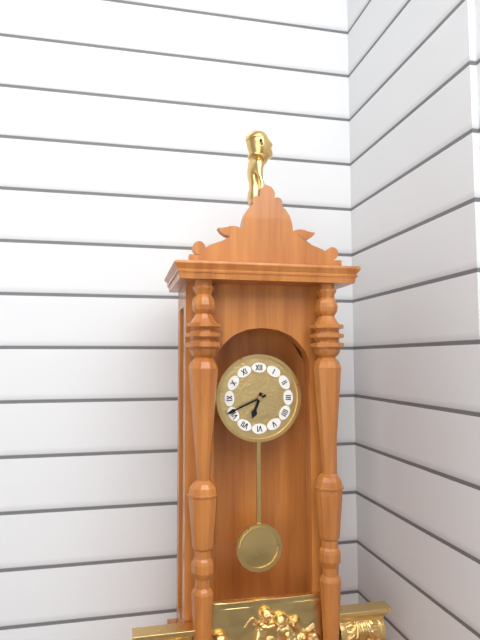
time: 6:41
